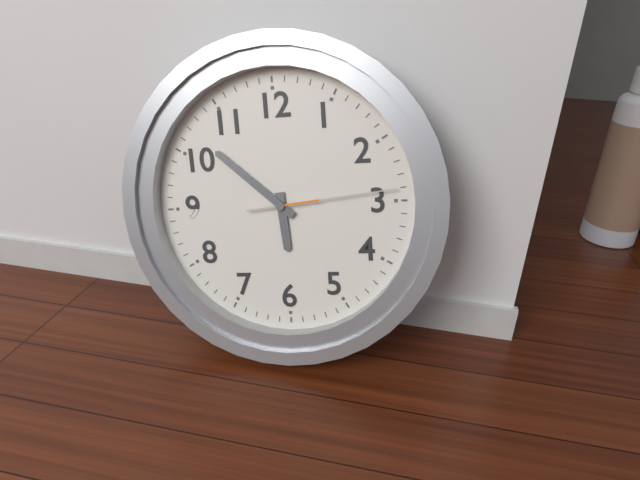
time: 5:52:14
